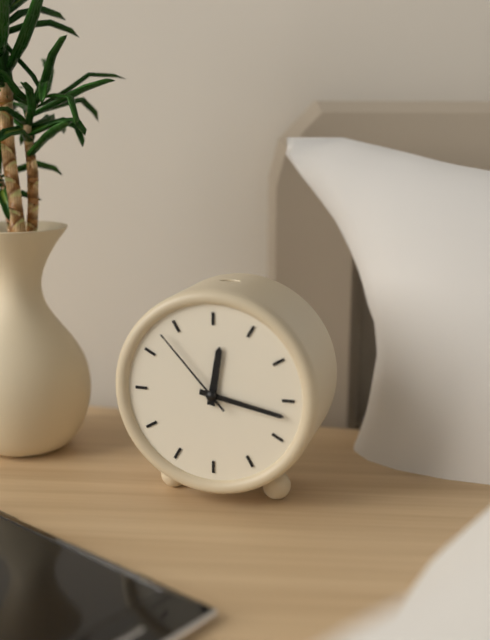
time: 12:17:53
